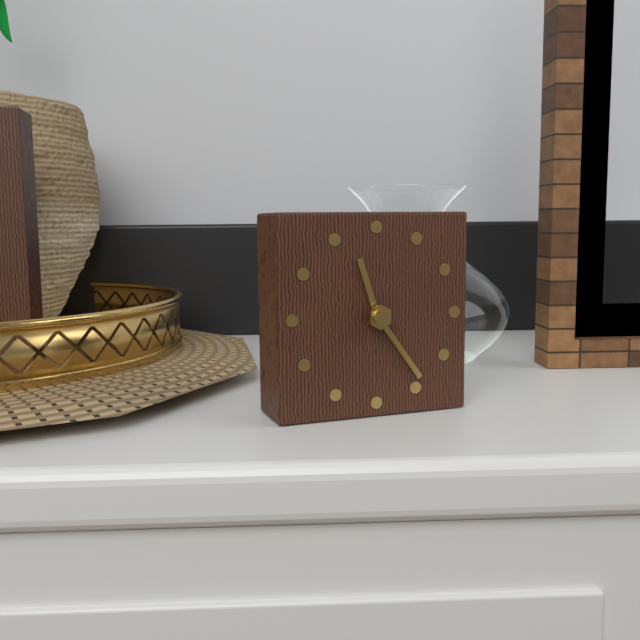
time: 11:24
